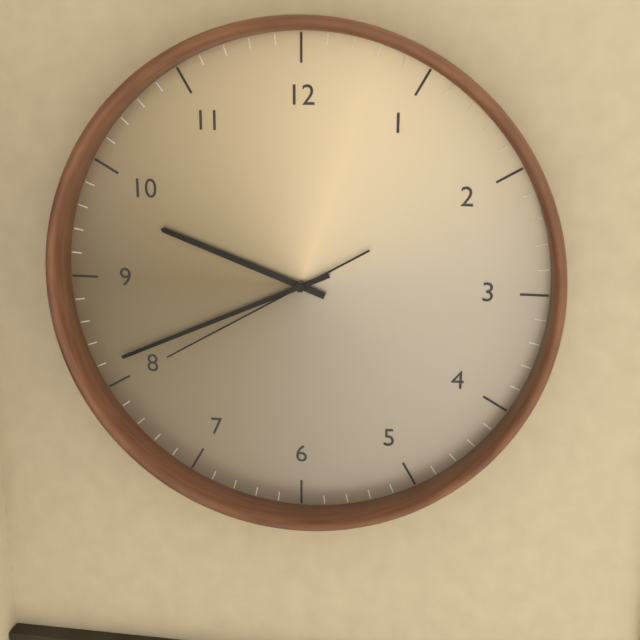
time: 9:41:40
